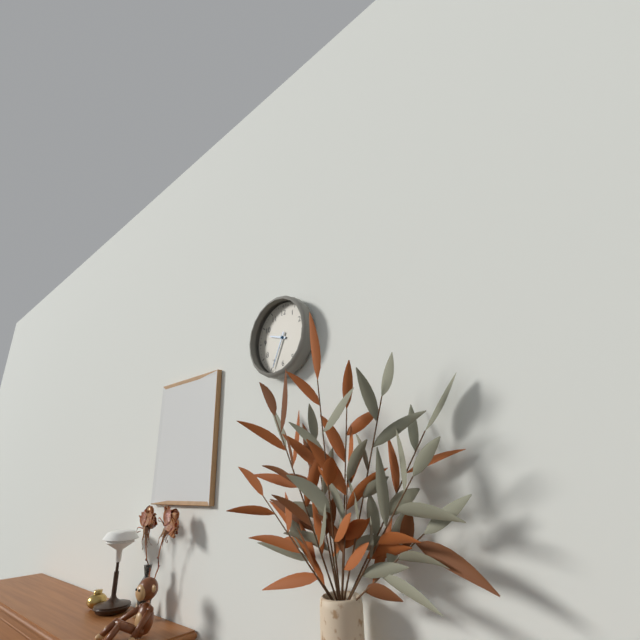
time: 9:34
